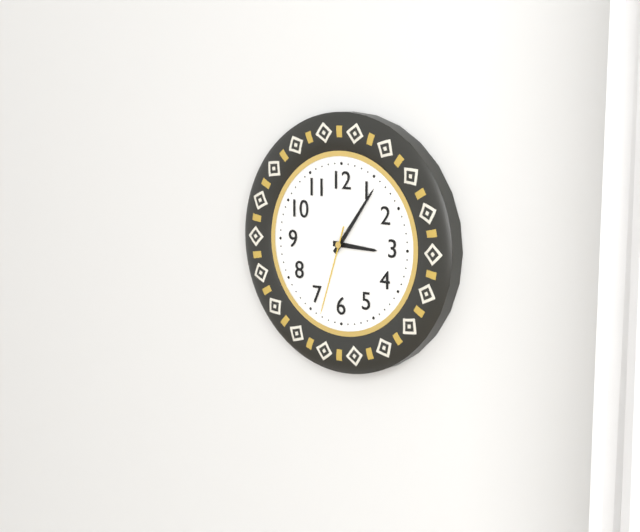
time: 3:06:33
